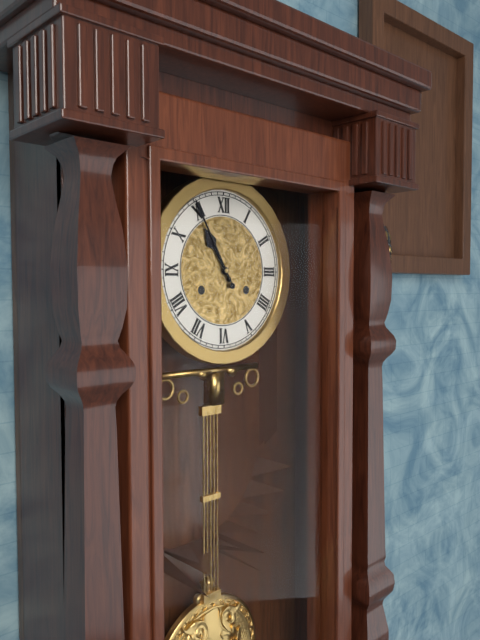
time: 10:55
